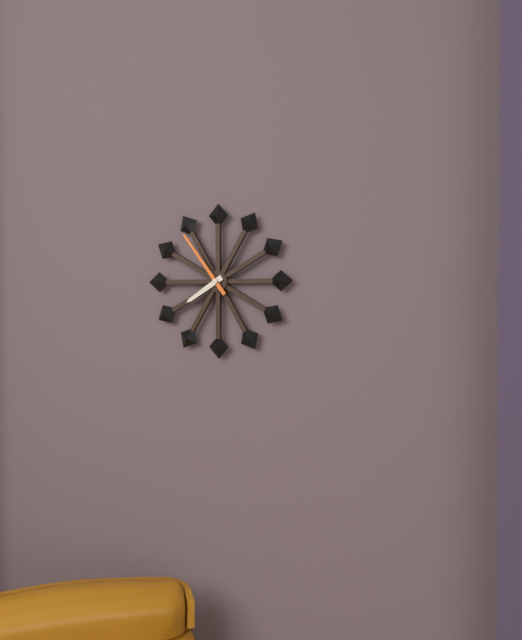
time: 7:54
